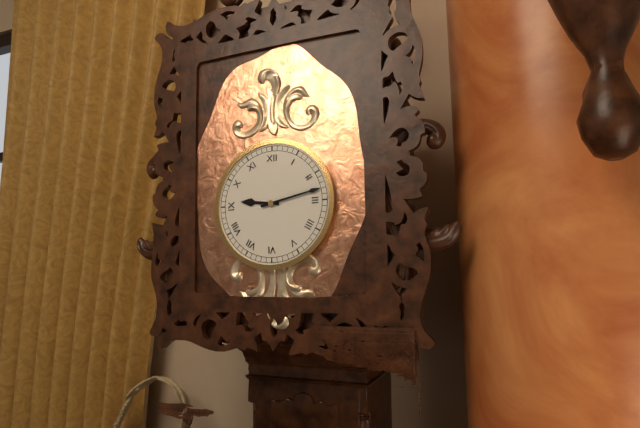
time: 9:13
